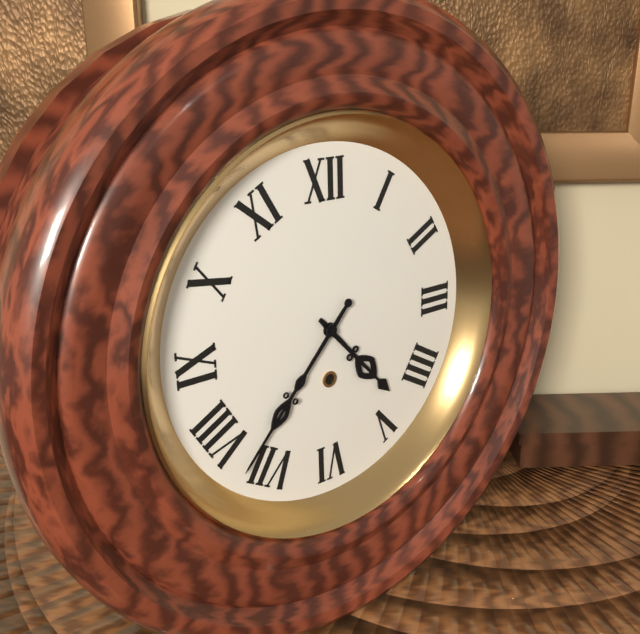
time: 4:37
